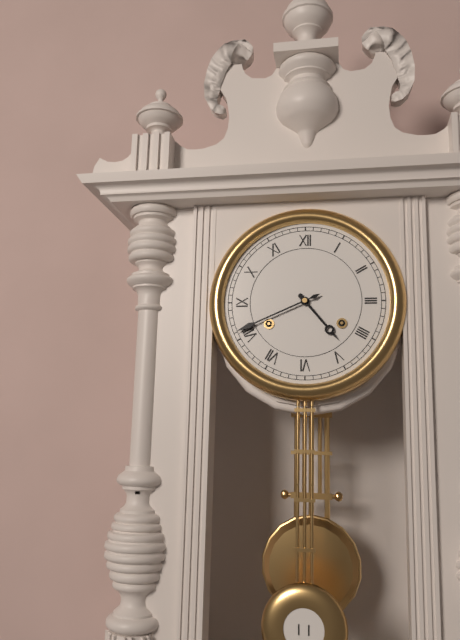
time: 4:41
